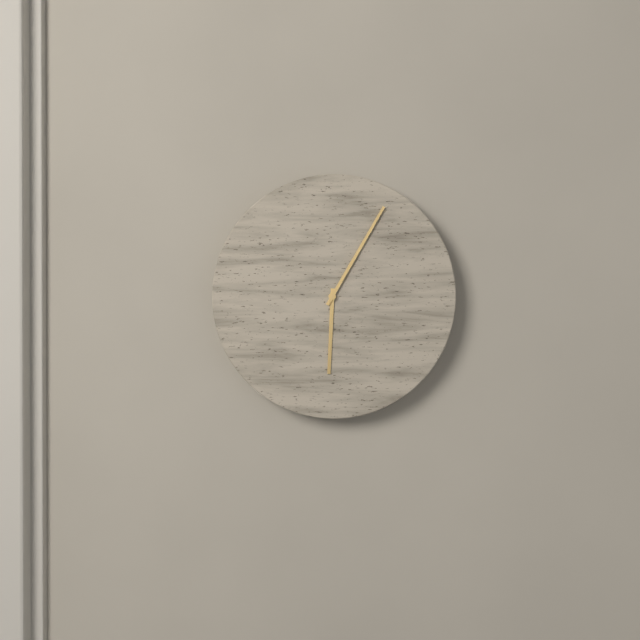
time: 6:05
